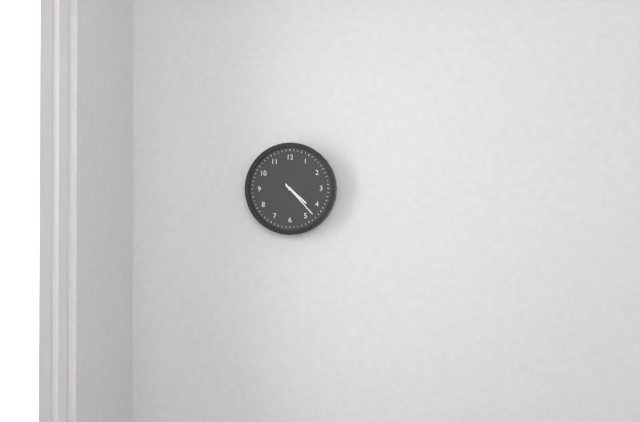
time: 4:23
